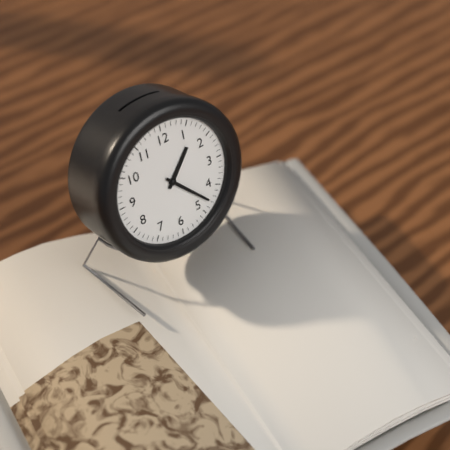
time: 1:23
